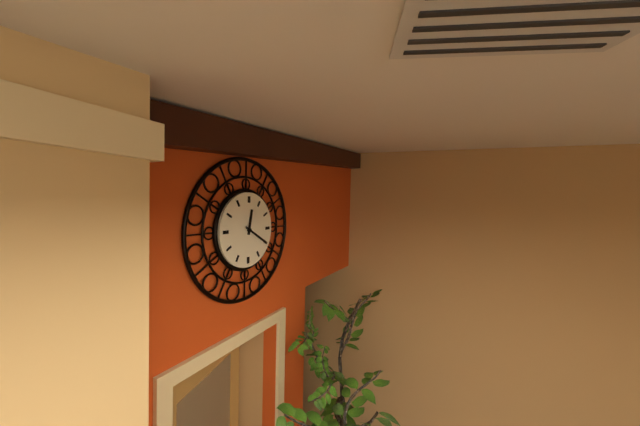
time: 12:20
